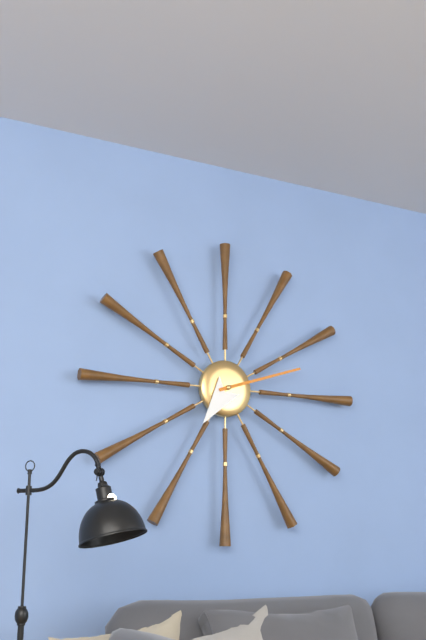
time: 7:12
